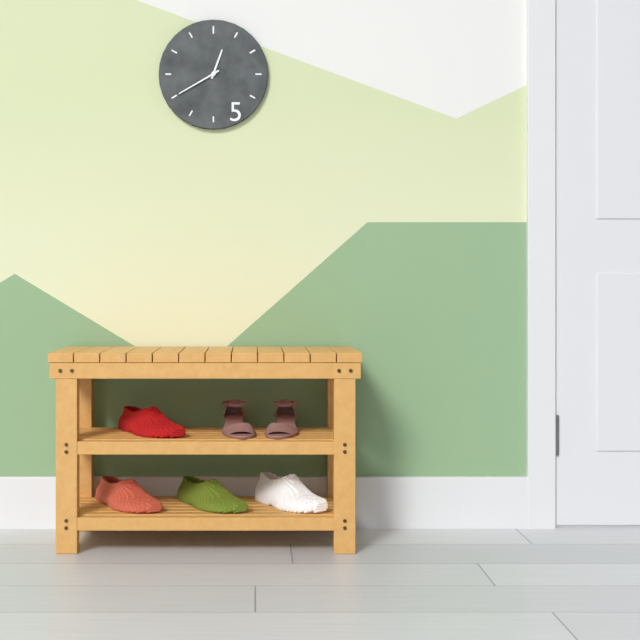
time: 12:40
